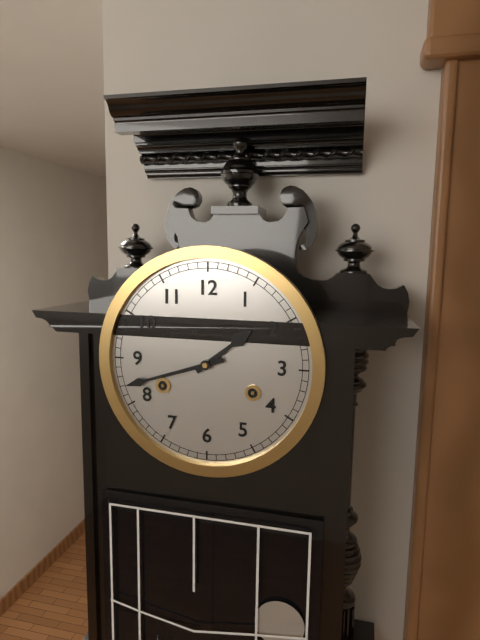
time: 1:42
